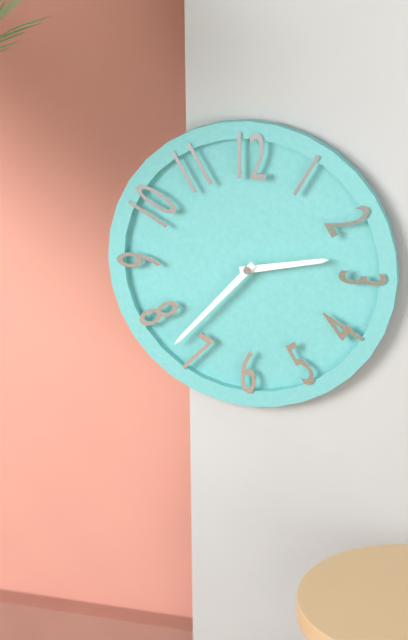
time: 2:37
